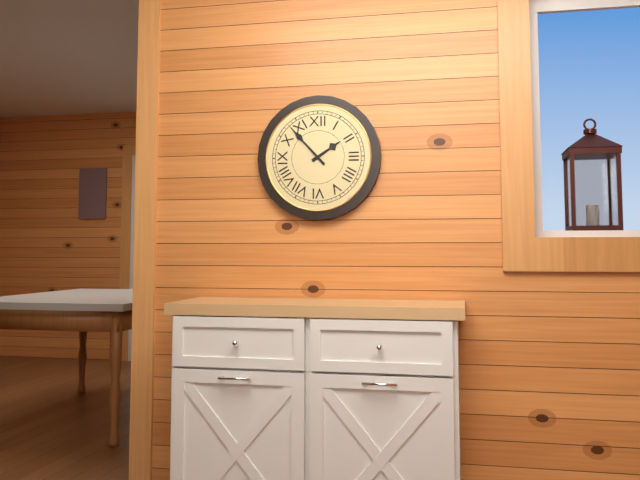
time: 1:53
